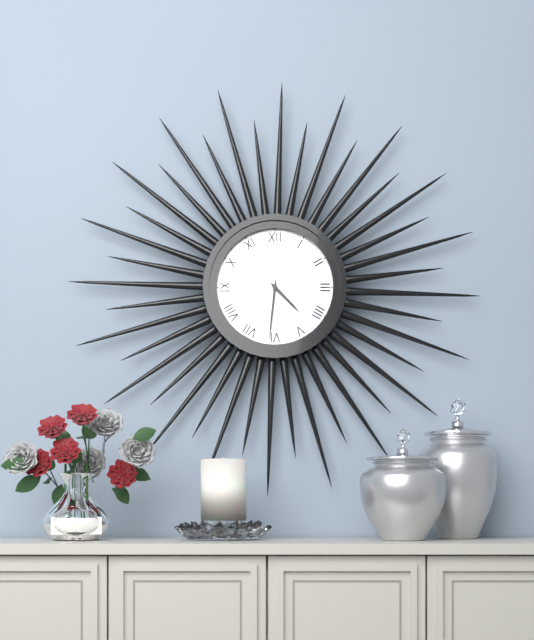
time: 4:31
